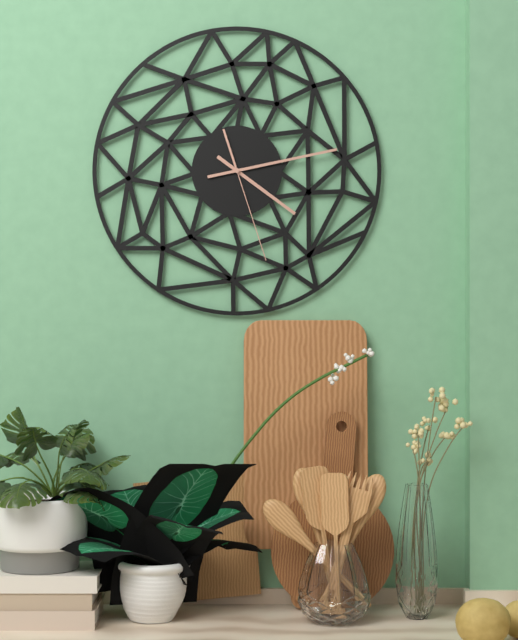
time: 4:13:27
